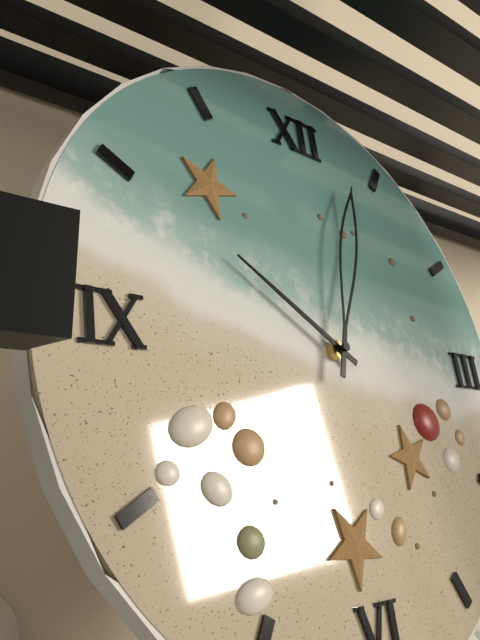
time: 10:03
